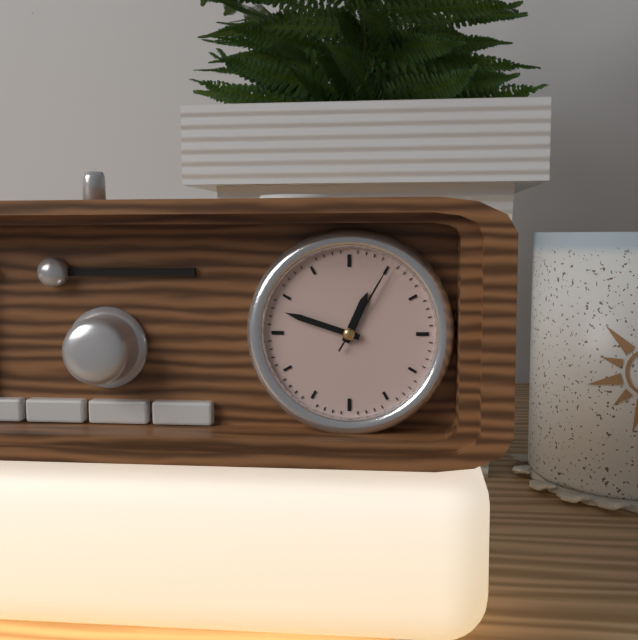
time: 12:48:05
